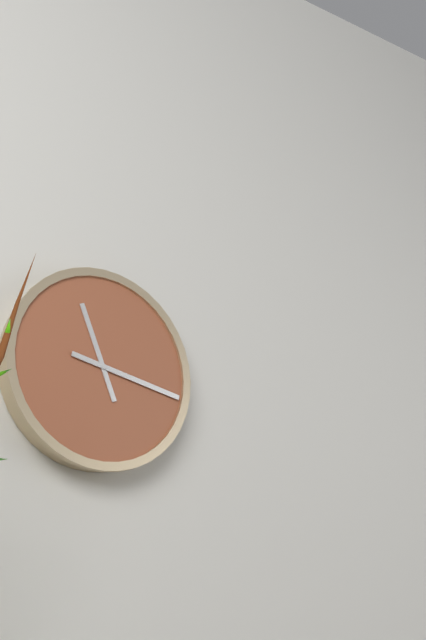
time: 11:17
